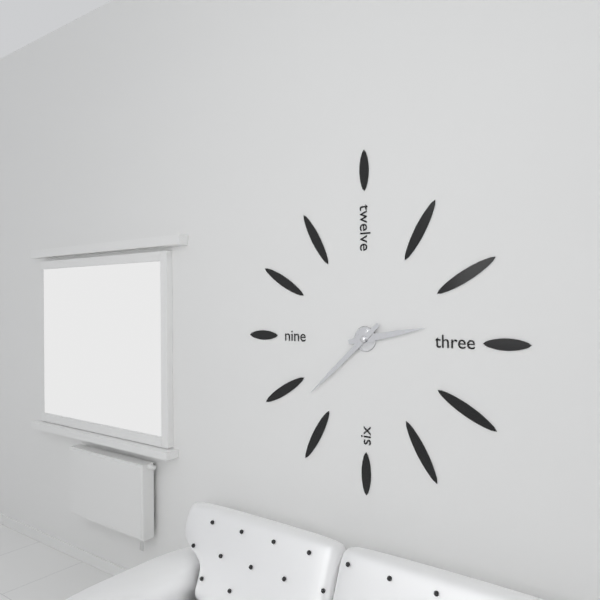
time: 2:38
